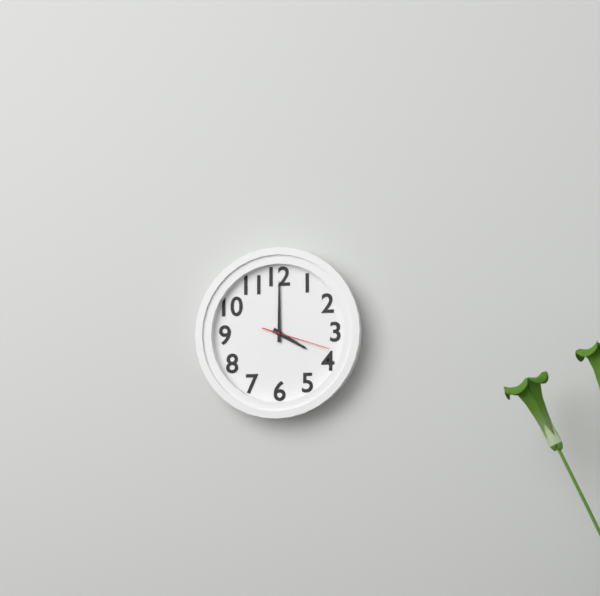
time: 4:00:18
